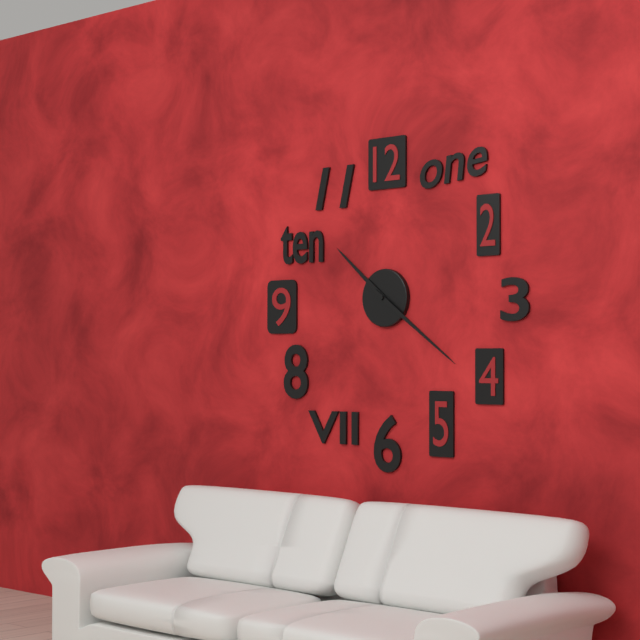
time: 10:21
